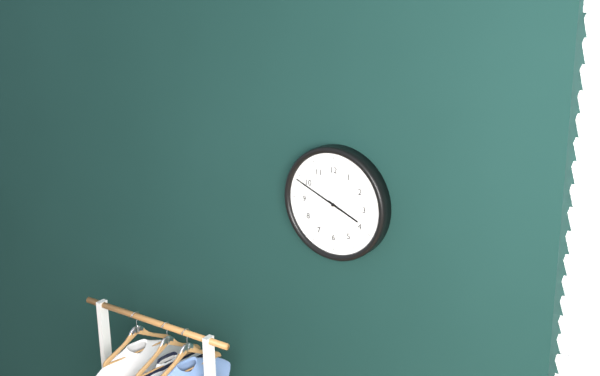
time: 3:49
